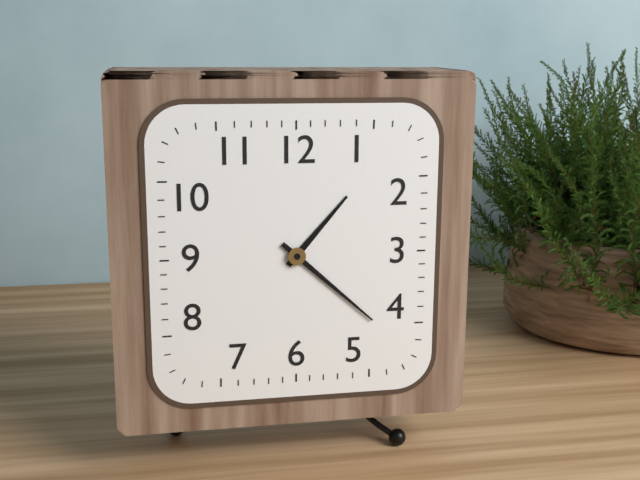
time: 1:22
